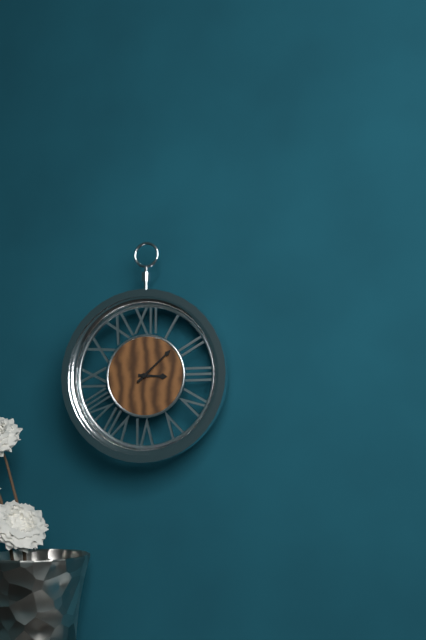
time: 3:08
